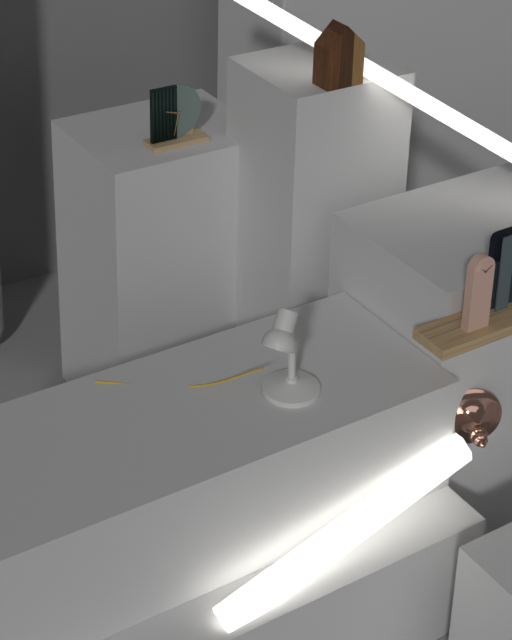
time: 9:32
